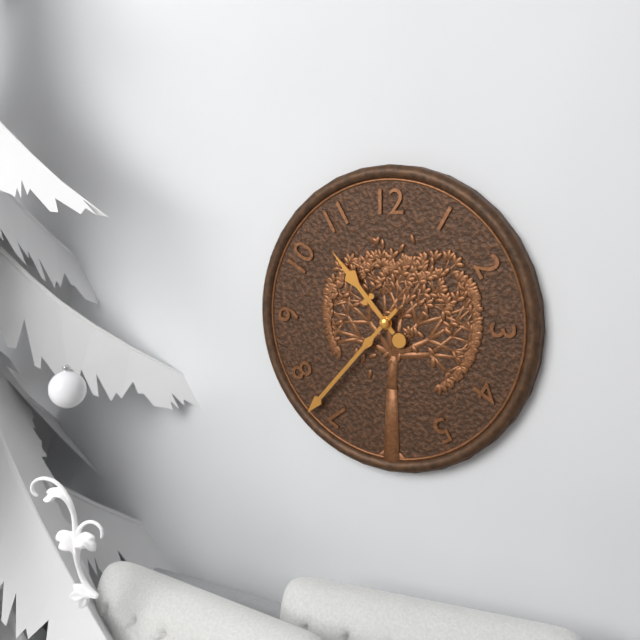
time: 10:37
